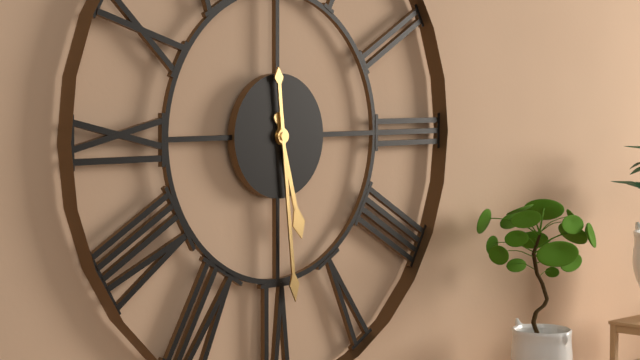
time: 5:29
